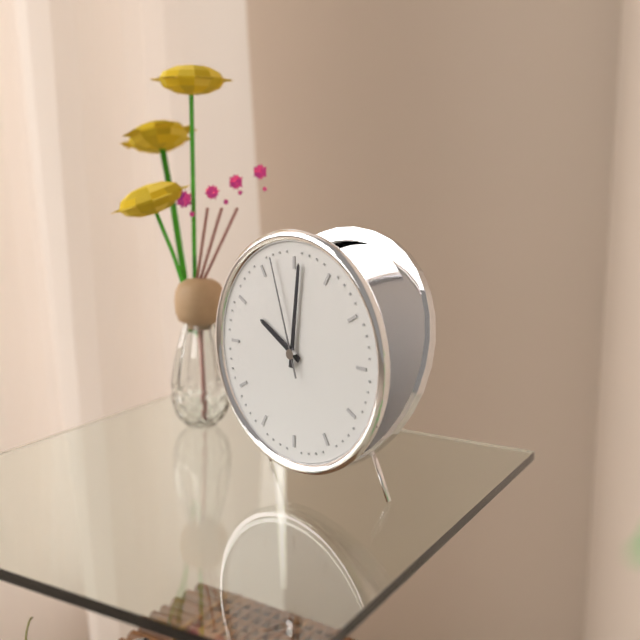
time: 10:01:57
